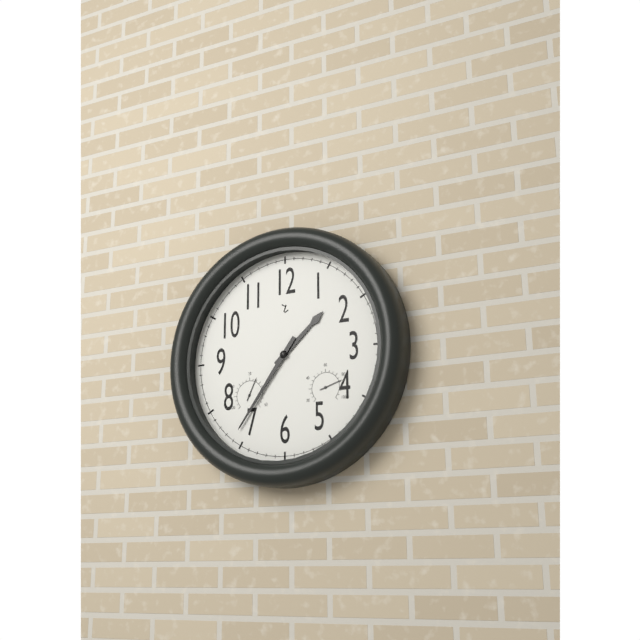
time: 1:36
